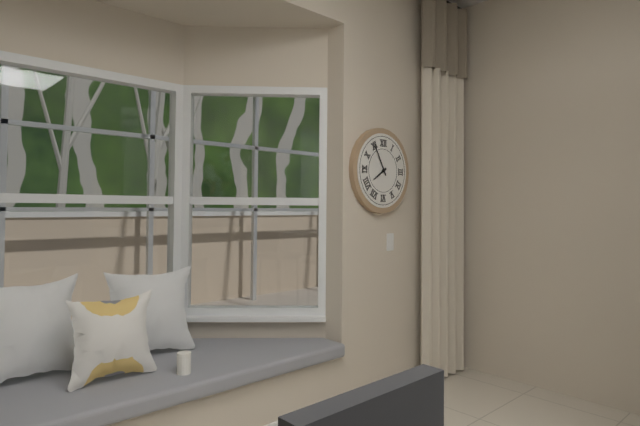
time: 7:55
